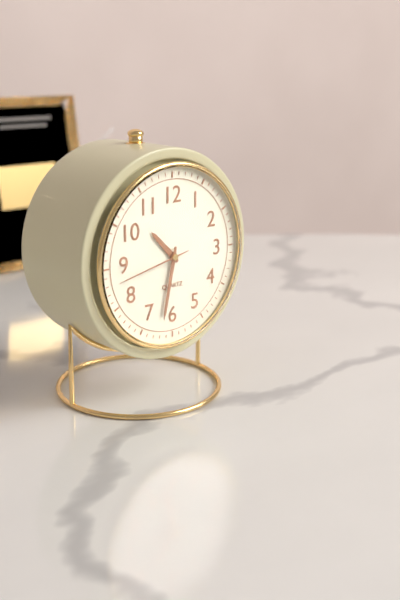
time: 10:32:43
